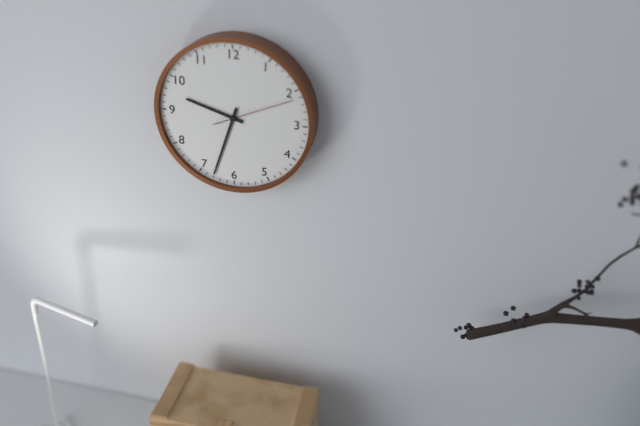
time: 9:33:11
